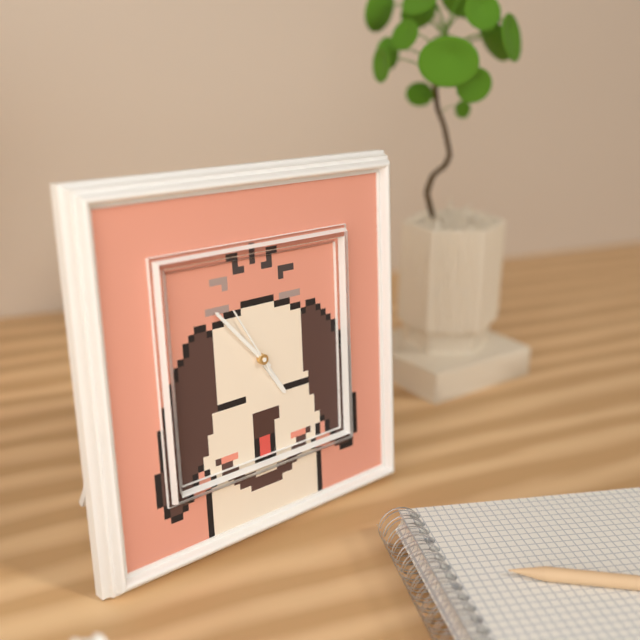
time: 4:53:55
